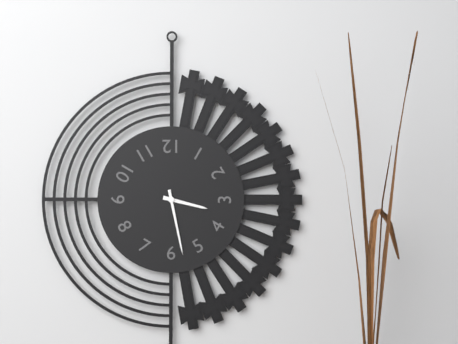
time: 3:28
